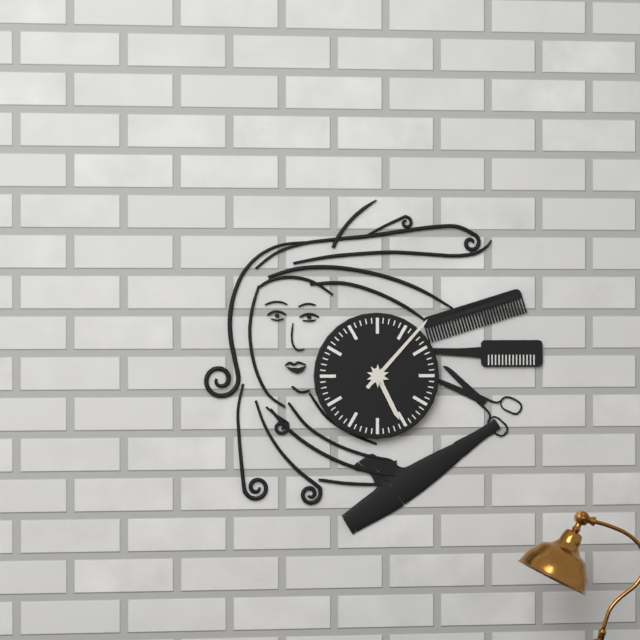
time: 5:07
